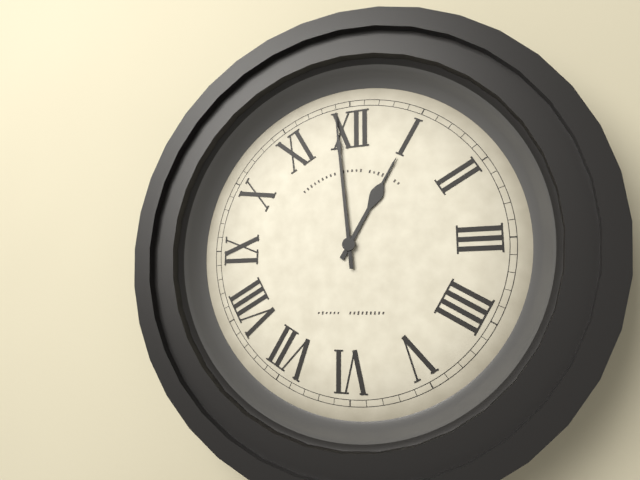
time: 12:59
